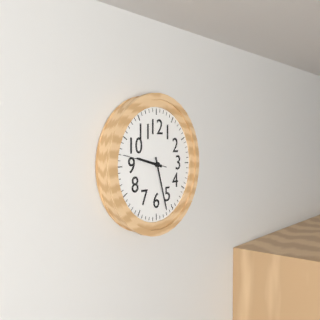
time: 9:27
